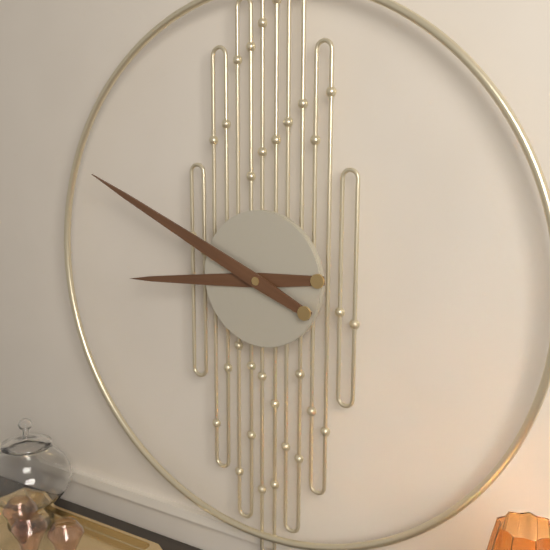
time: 8:49
